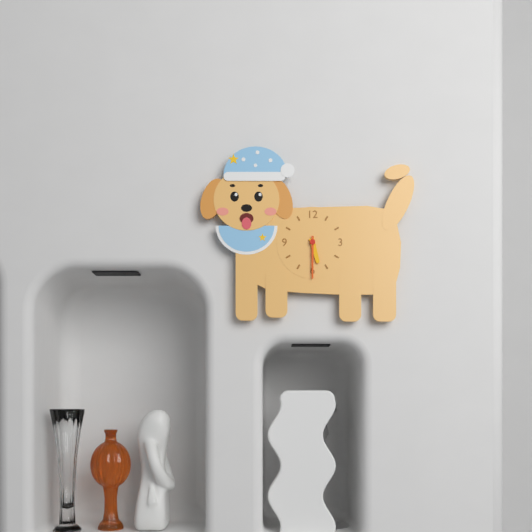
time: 5:30
